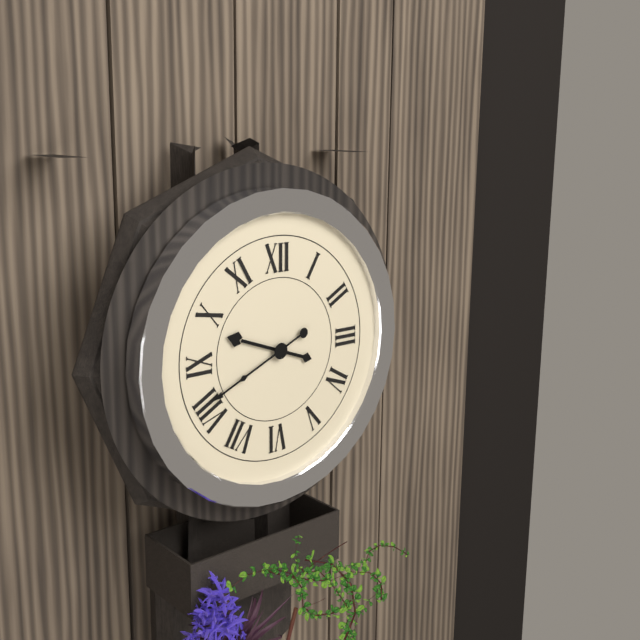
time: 9:41
